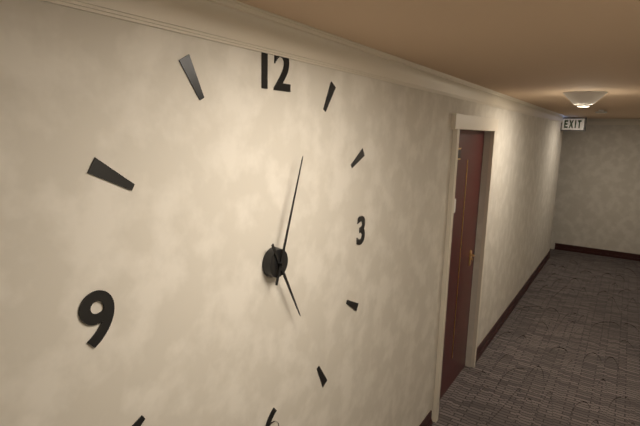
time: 5:03
